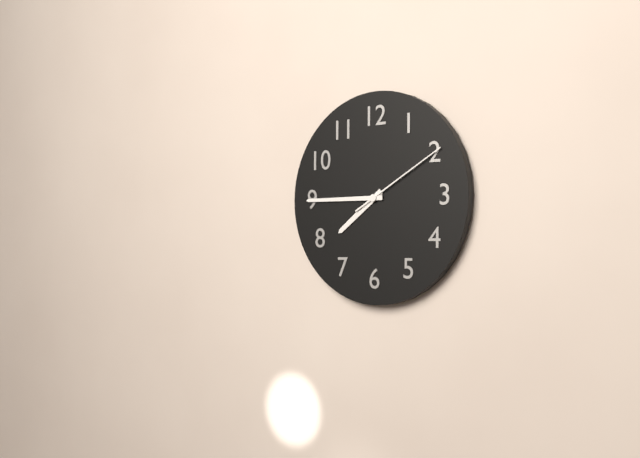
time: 7:45:10
